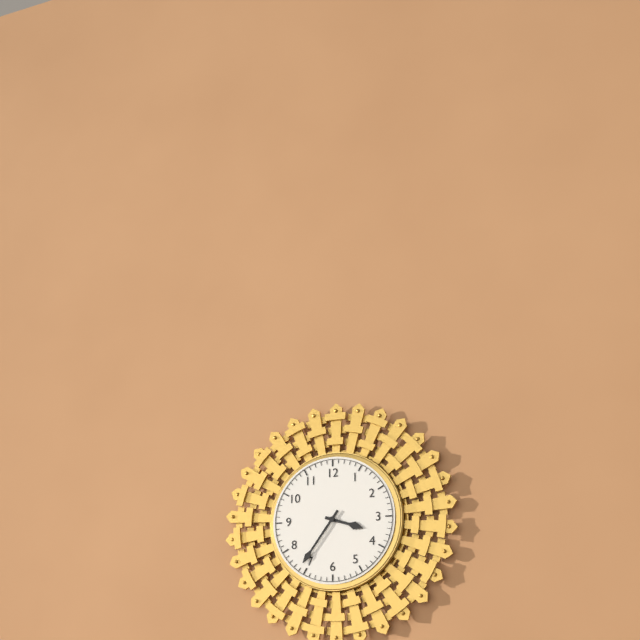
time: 3:36
